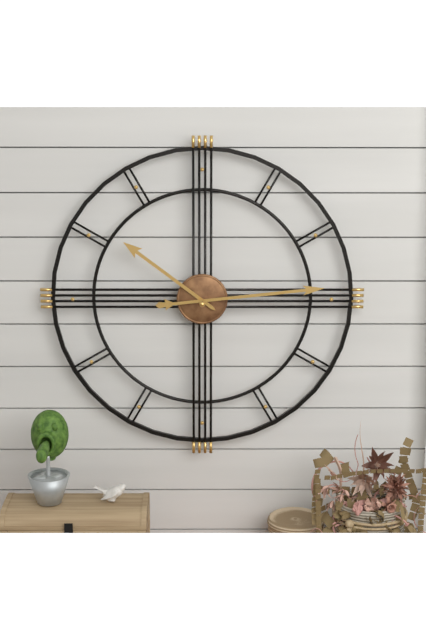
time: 10:14
